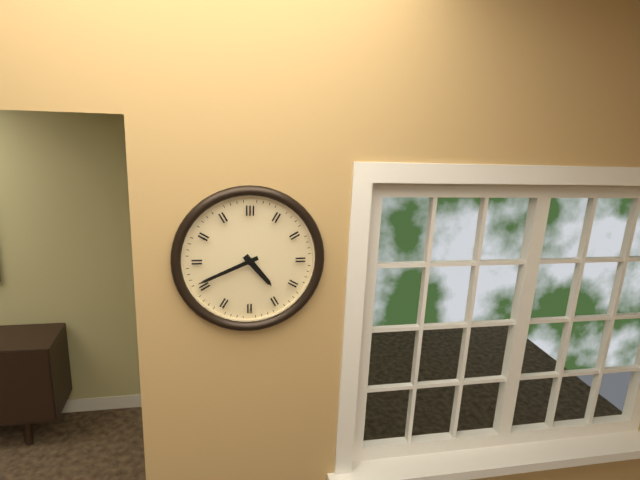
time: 4:41
